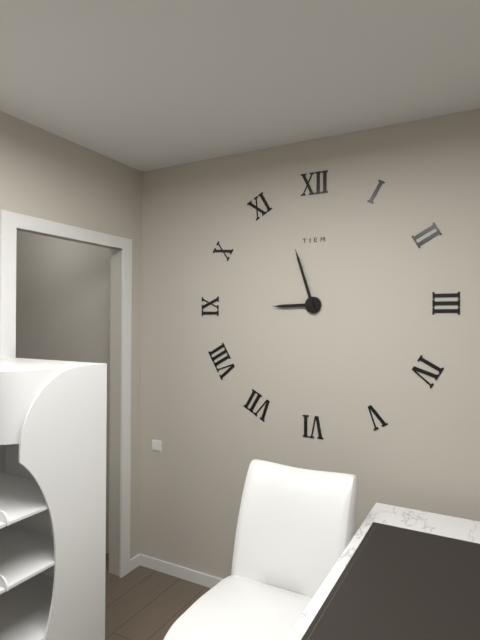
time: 8:57
